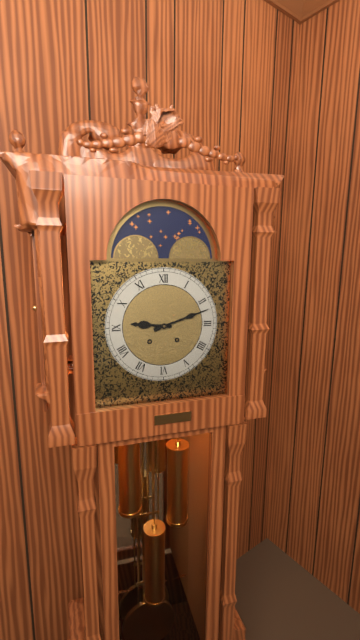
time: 9:12
